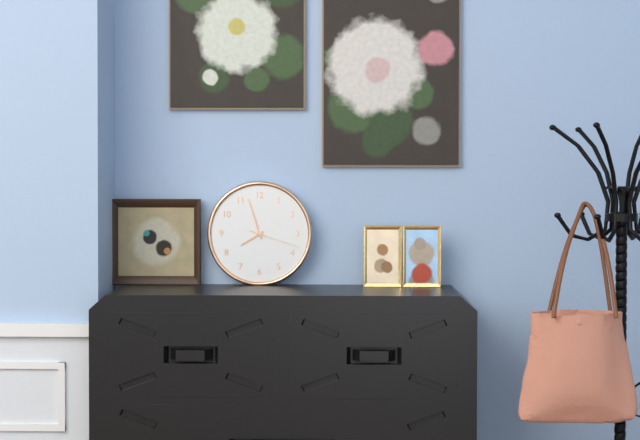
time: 7:57
